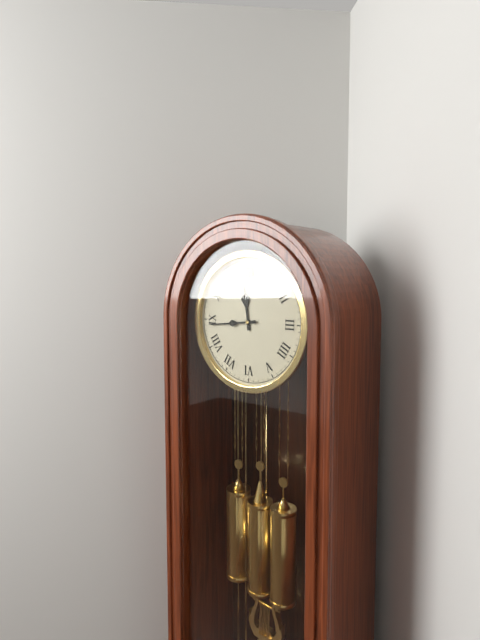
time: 11:44
